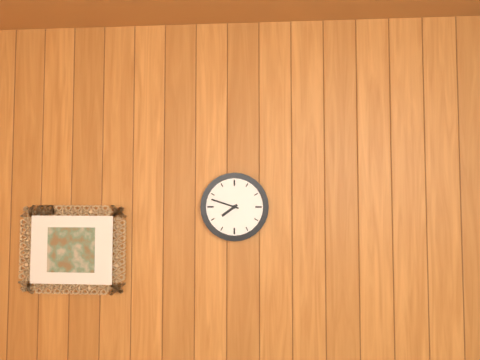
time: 7:48
